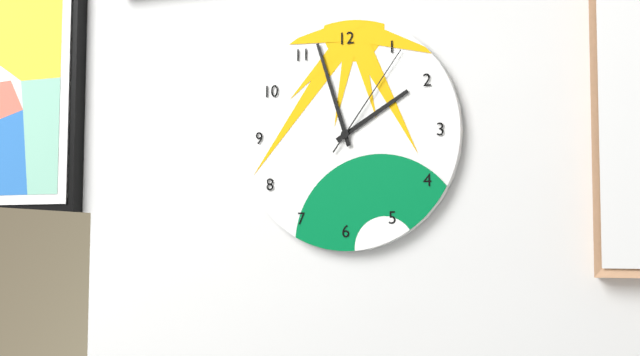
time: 1:57:06
